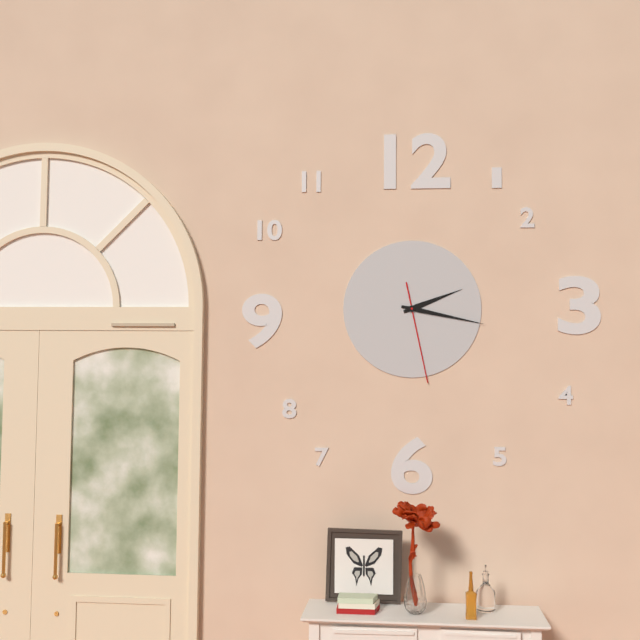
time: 2:17:28
